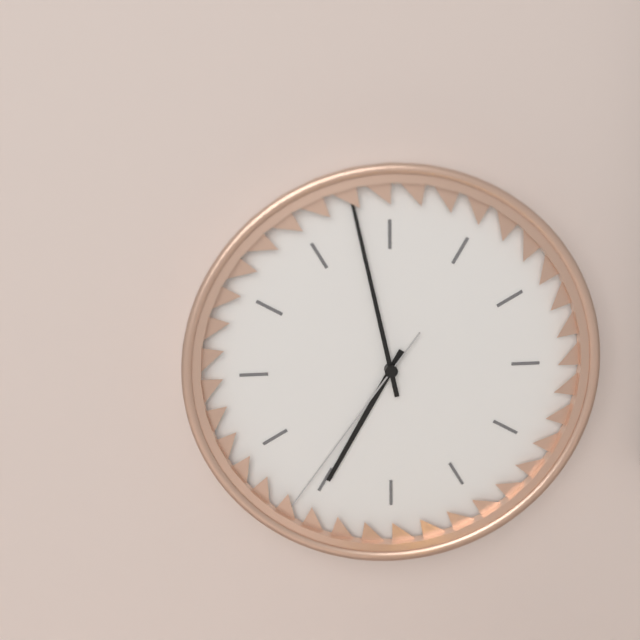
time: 6:58:36
